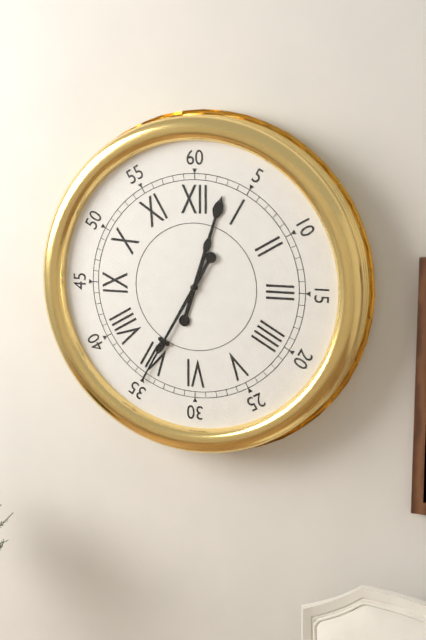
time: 12:35
